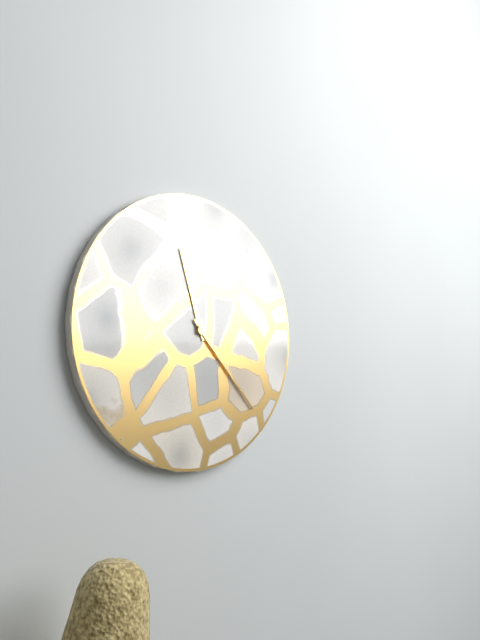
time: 11:23
